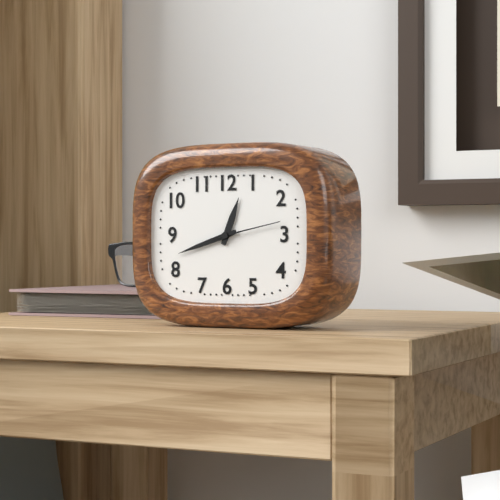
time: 12:42:13
